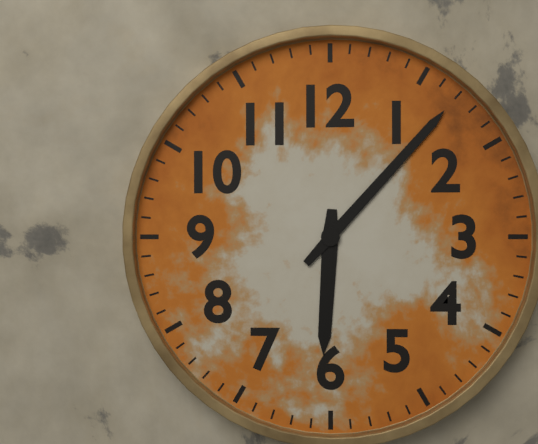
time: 6:07
